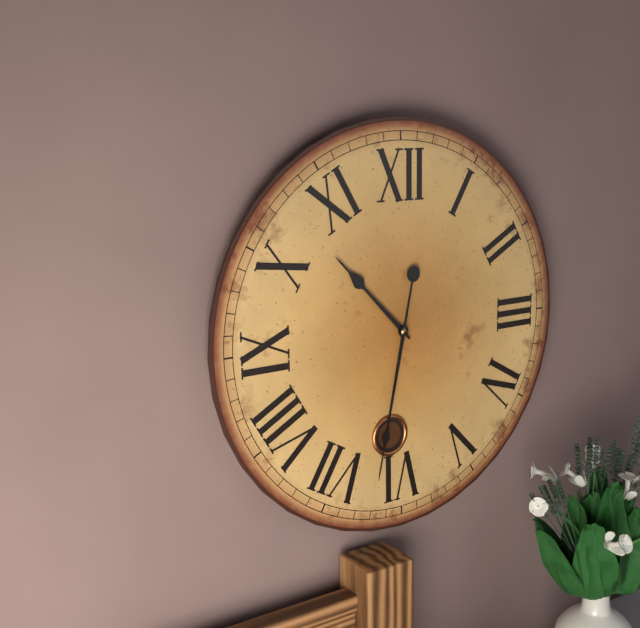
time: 10:32
